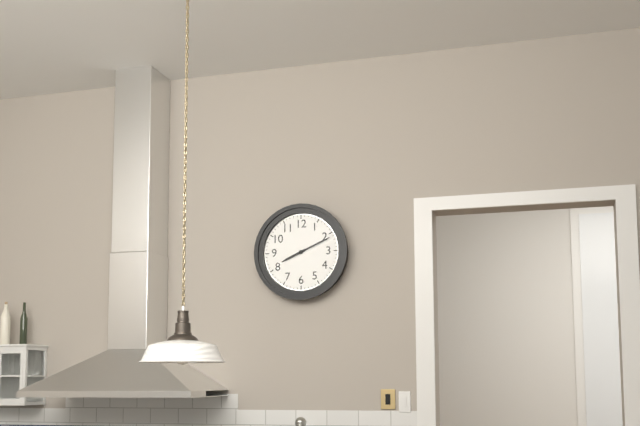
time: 8:11
